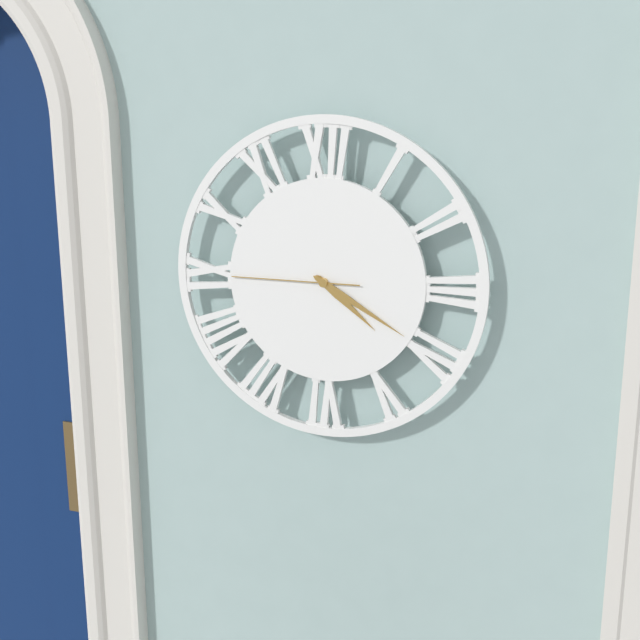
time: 4:20:45
